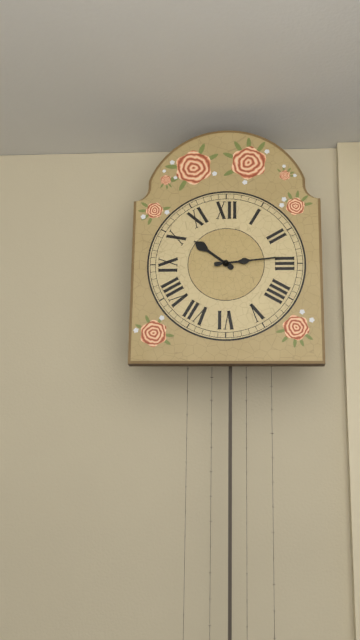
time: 10:14
